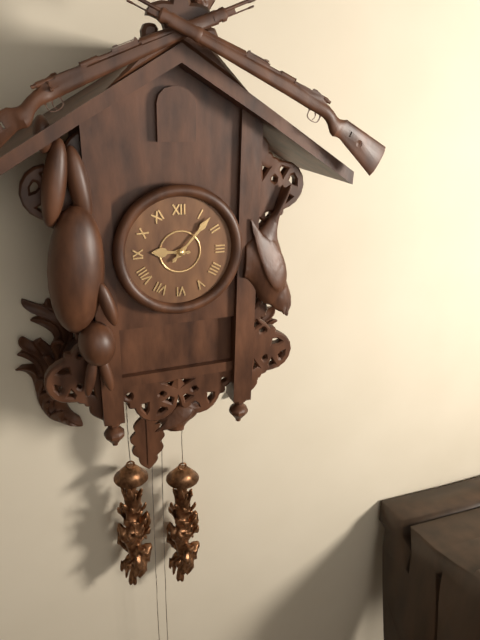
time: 9:07
